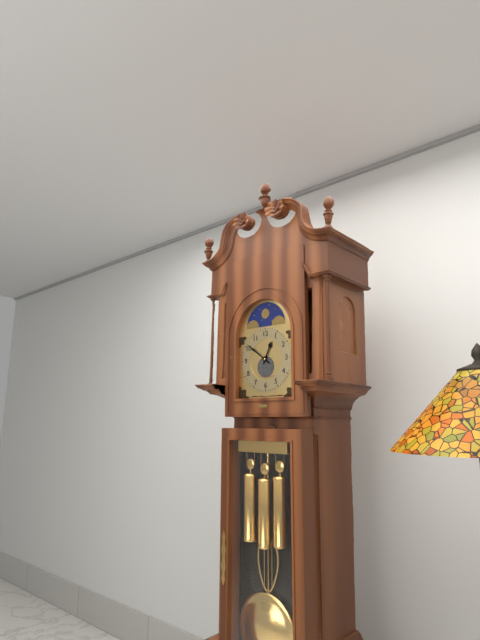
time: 12:51
